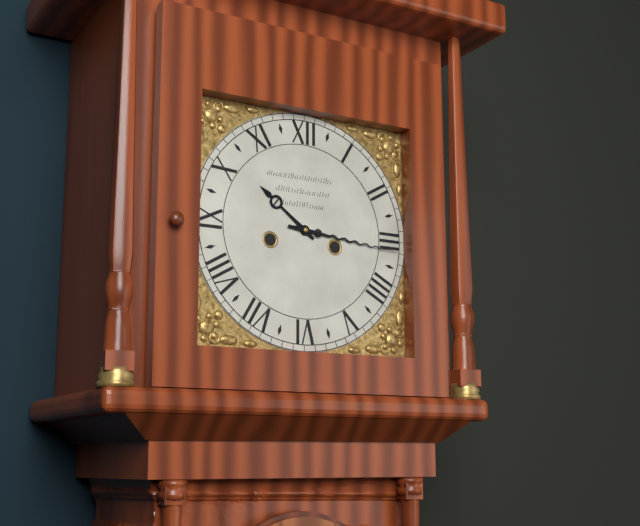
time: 10:16
